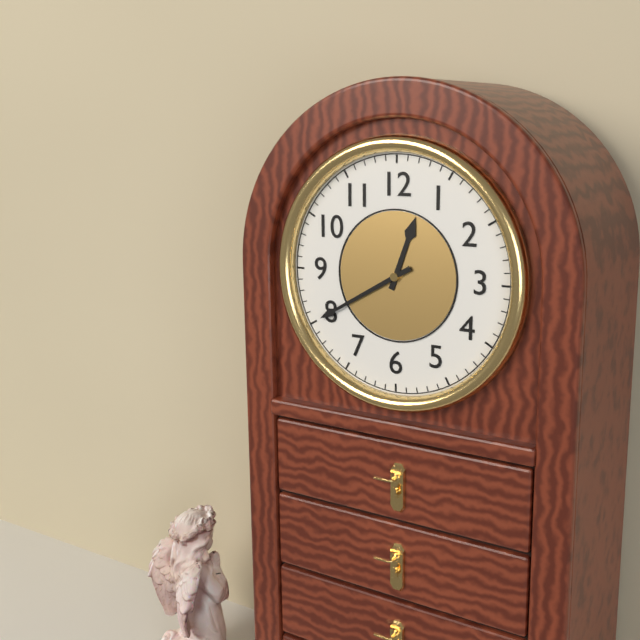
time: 12:40
